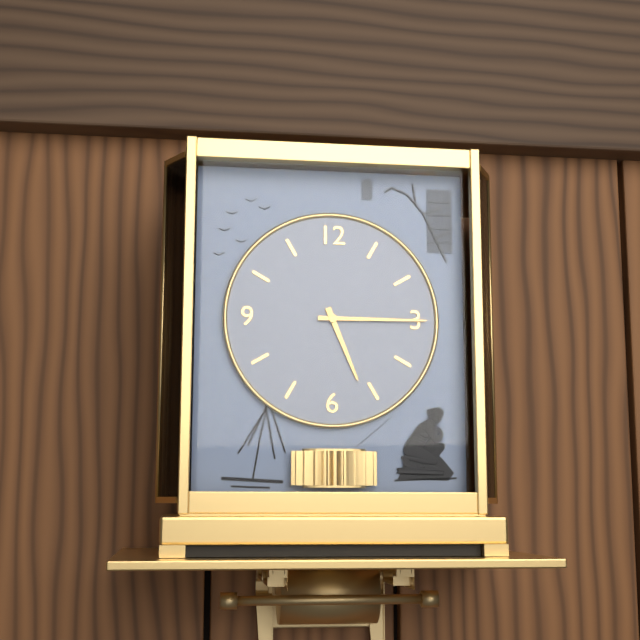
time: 5:15
